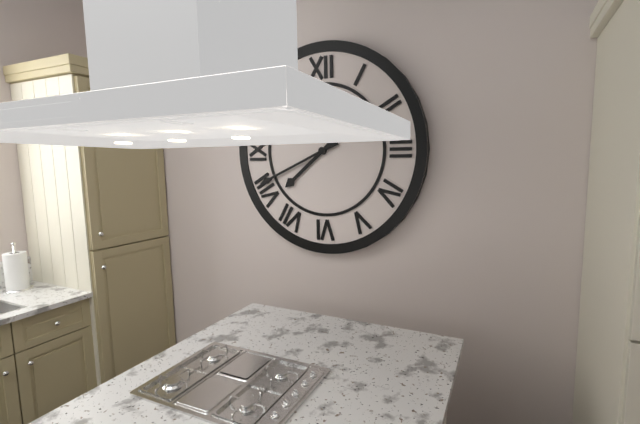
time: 7:41
